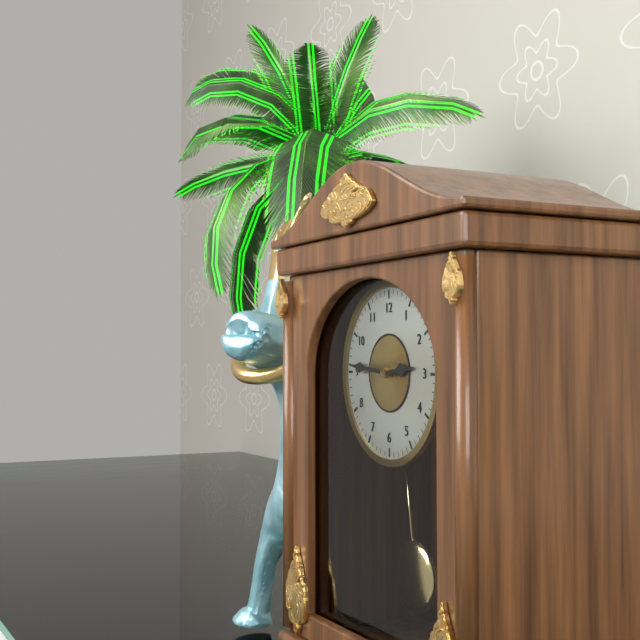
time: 2:46
